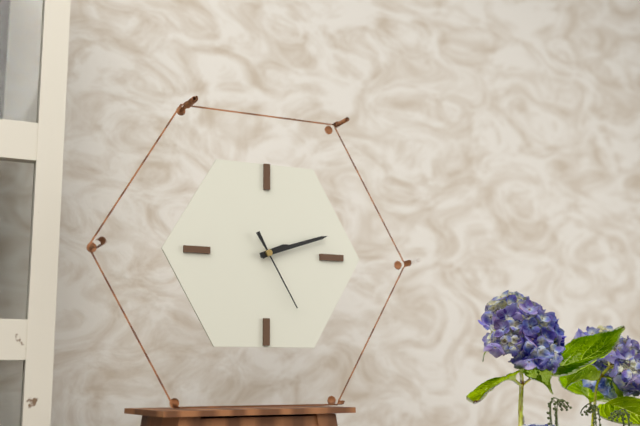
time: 2:12:25
